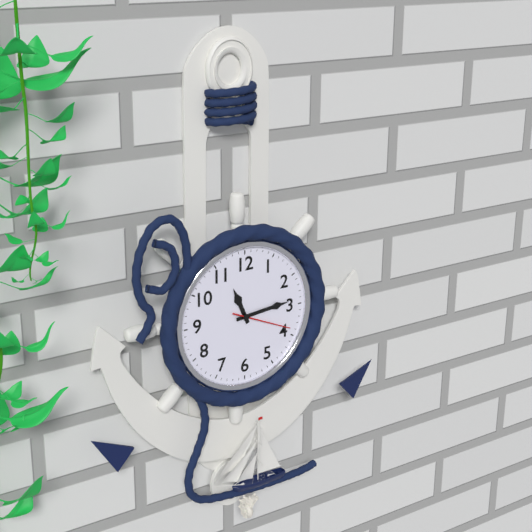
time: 11:14:19
